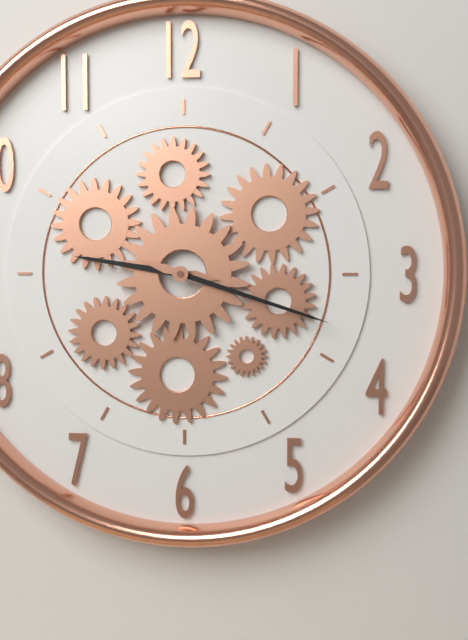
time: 9:18
